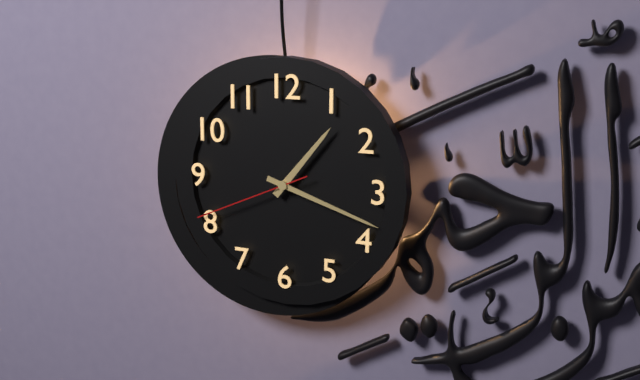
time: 1:18:41
